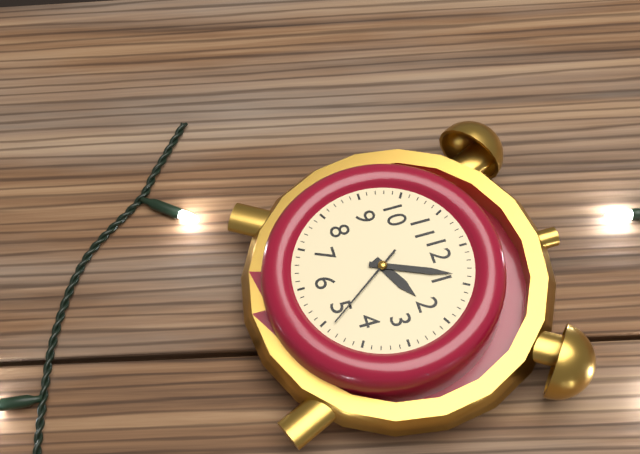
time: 2:04:24
